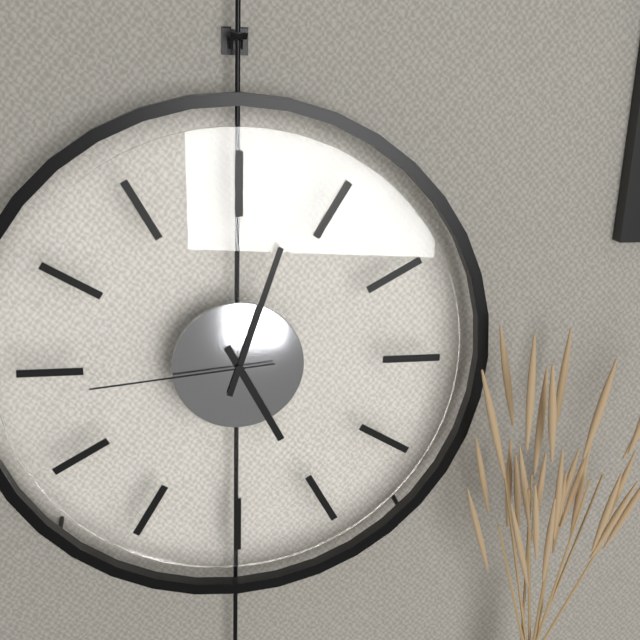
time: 5:03:44
